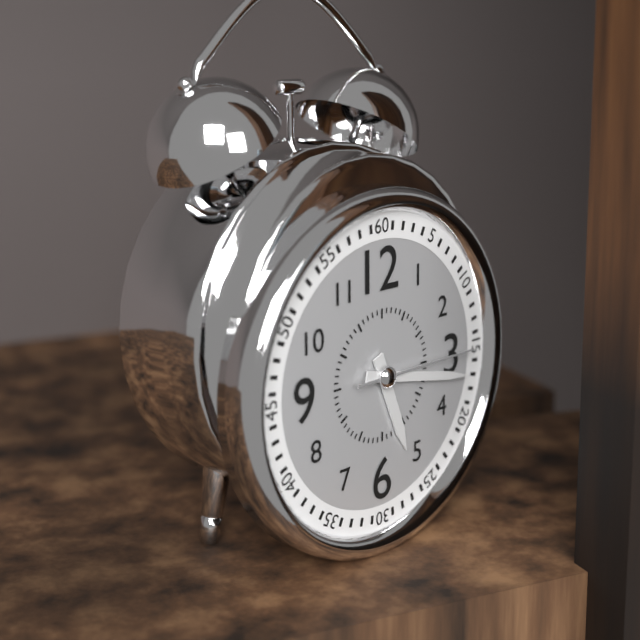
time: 5:17:15
